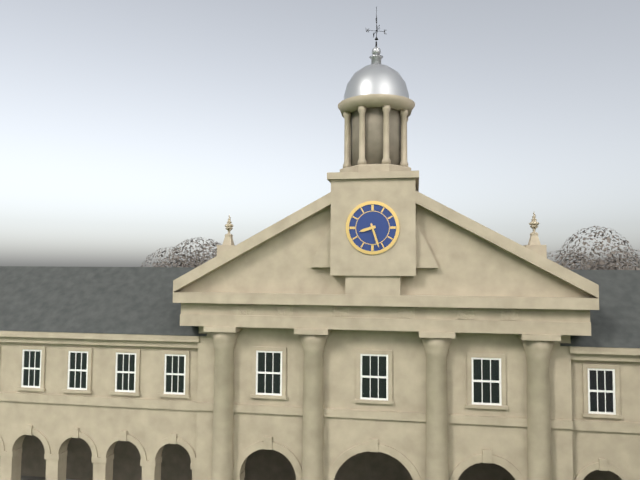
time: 8:27
